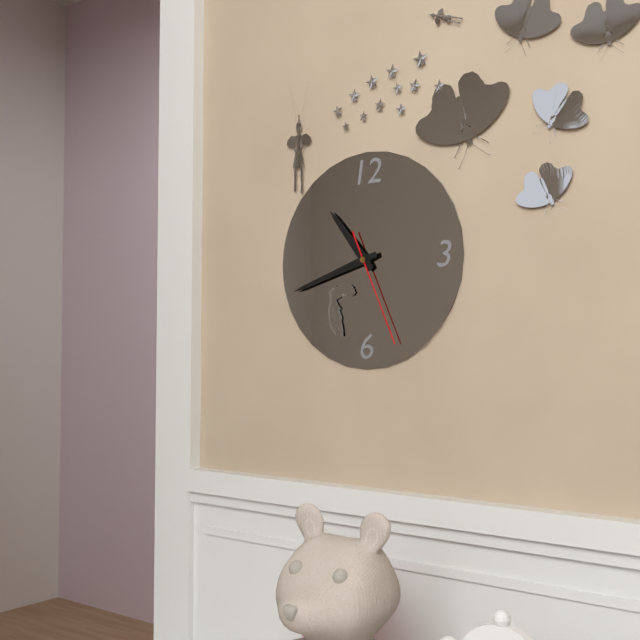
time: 10:42:26
